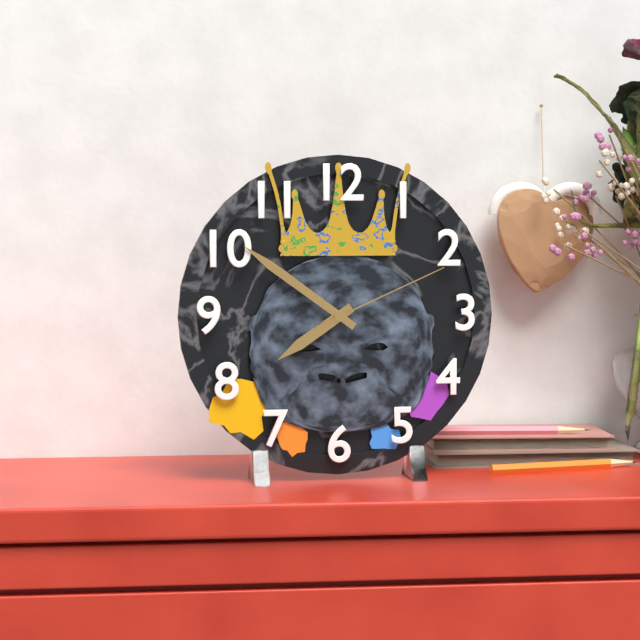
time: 7:51:11
